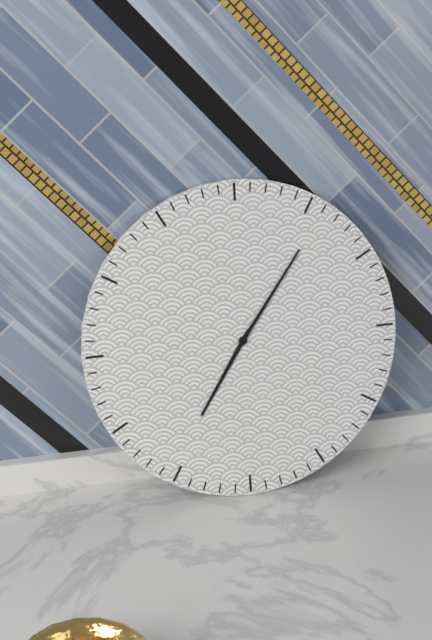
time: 7:06
